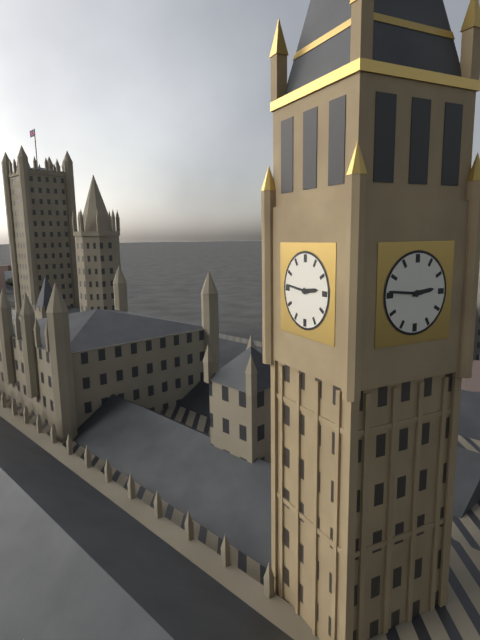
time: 2:46
